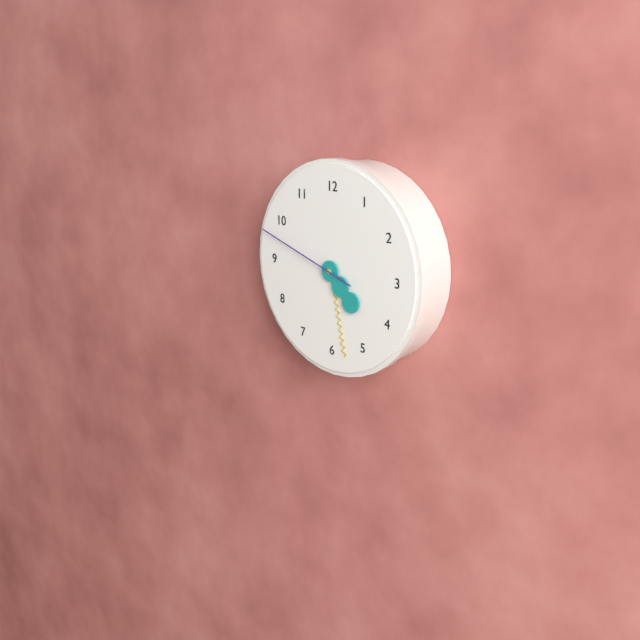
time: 4:28:48
